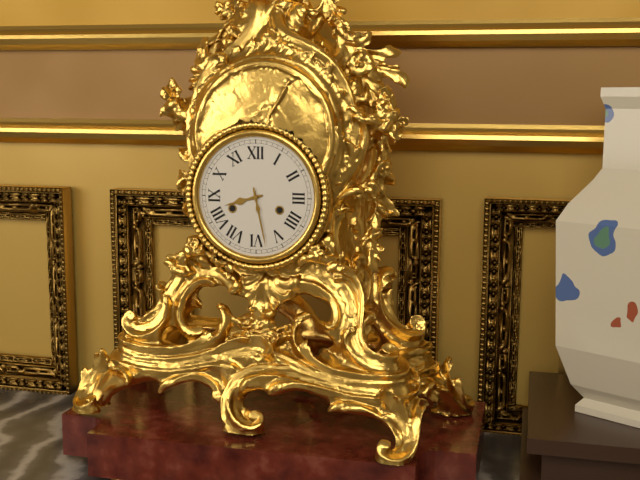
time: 8:28
